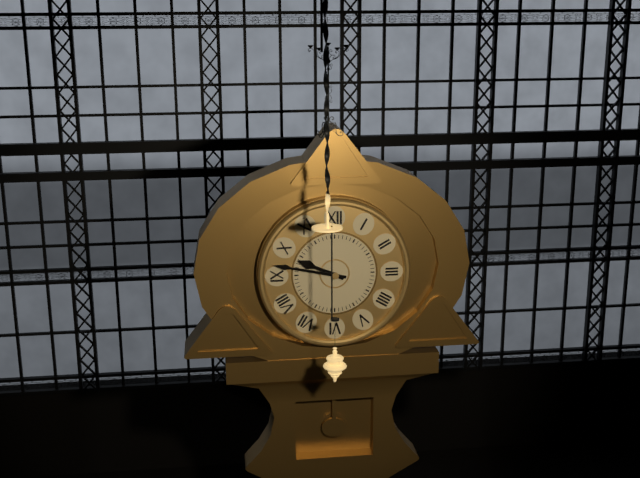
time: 9:47
